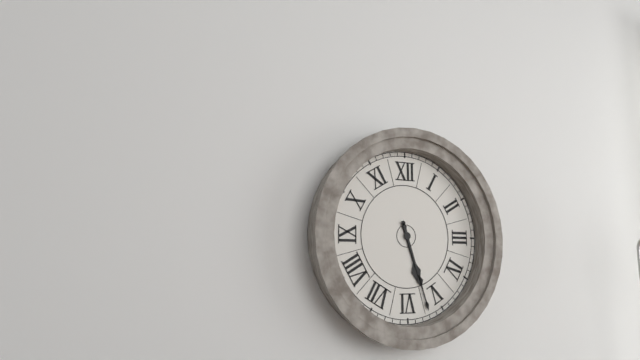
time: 5:27
